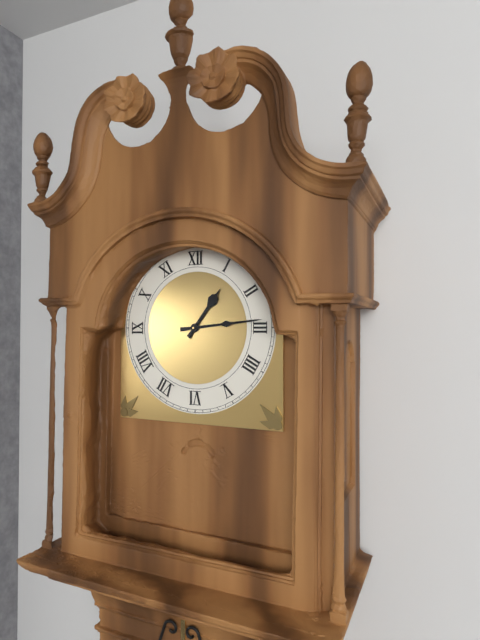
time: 1:14
